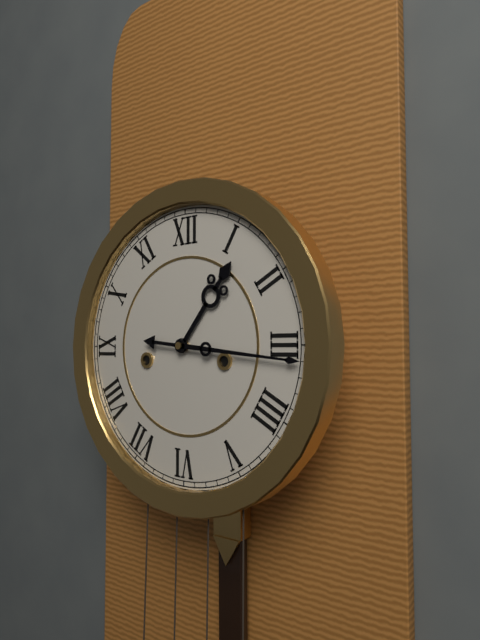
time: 1:16
